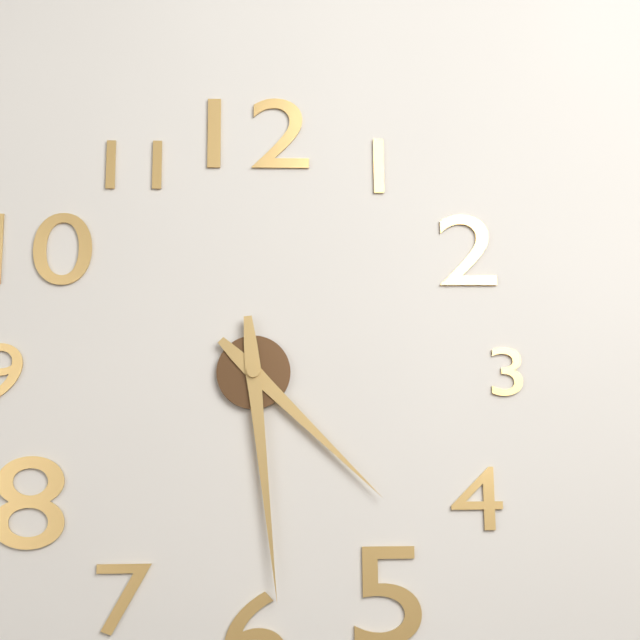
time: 4:29
